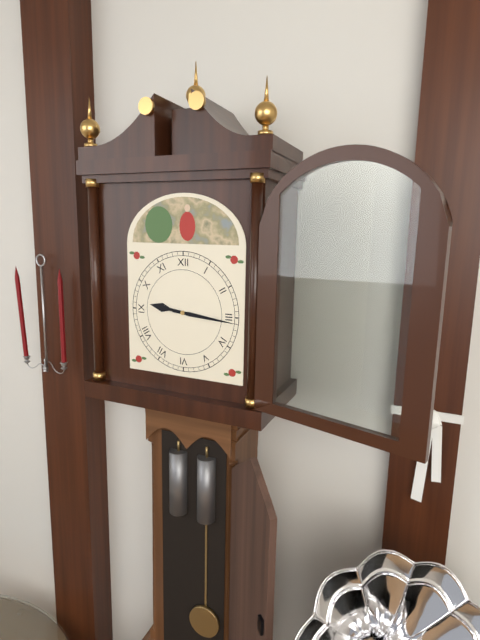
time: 9:16
